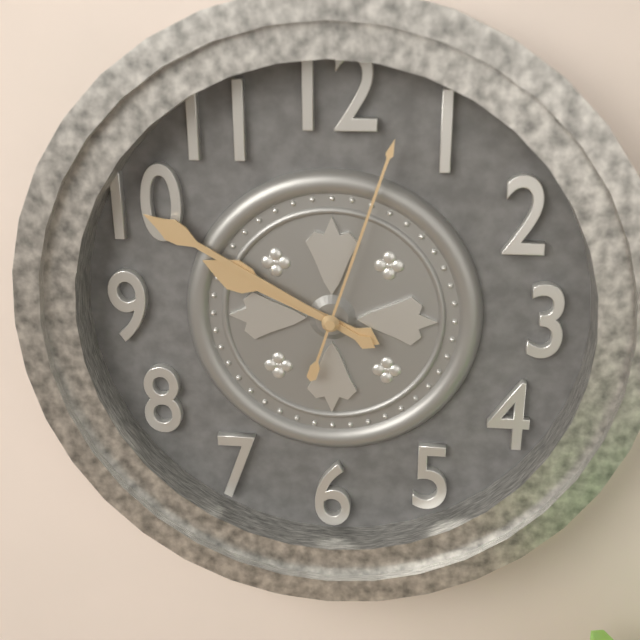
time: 9:50:03
